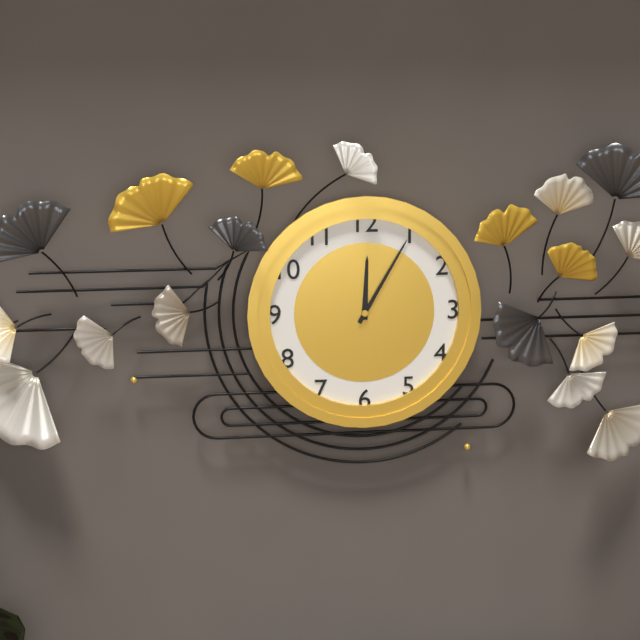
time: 12:05
